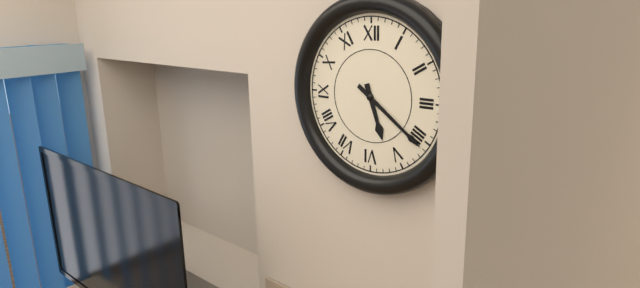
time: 5:21
